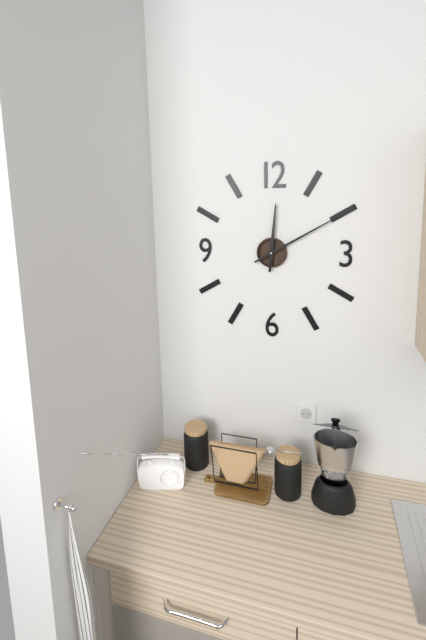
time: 12:10
